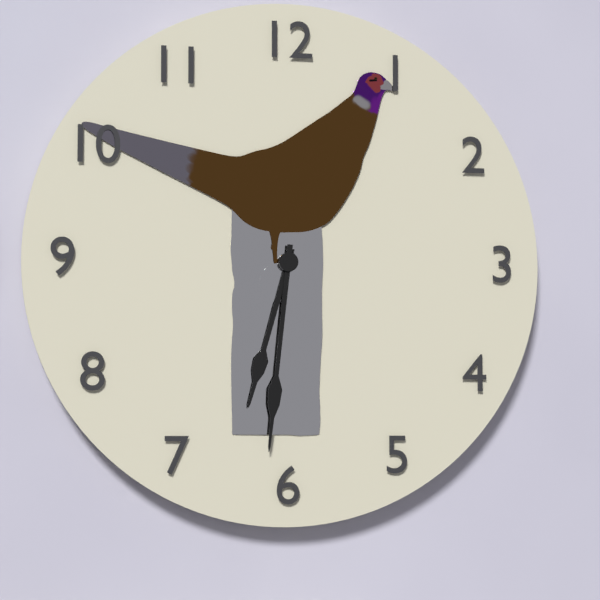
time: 6:31
